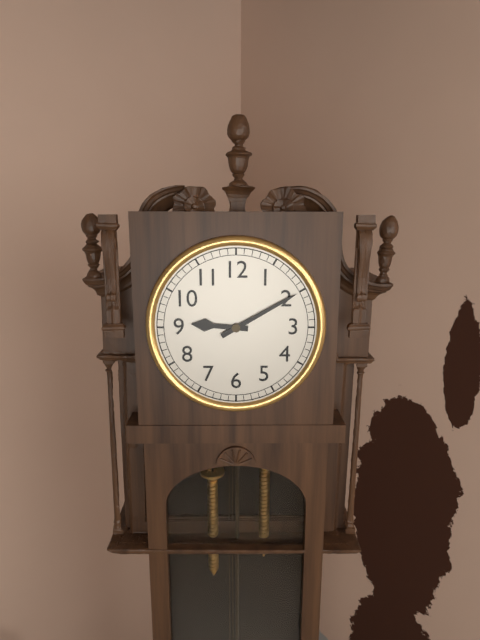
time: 9:10
